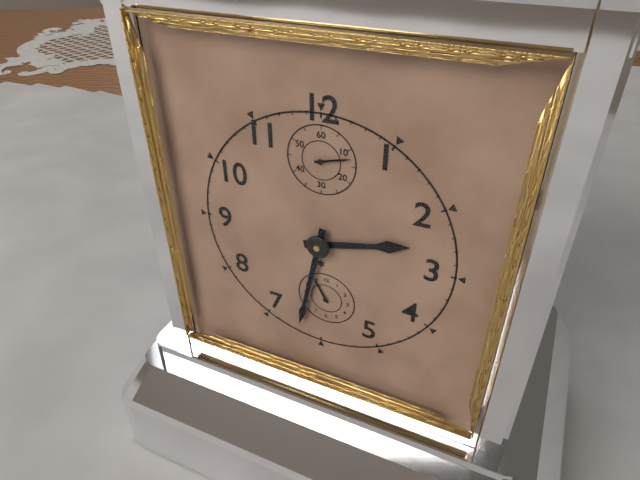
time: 2:32
